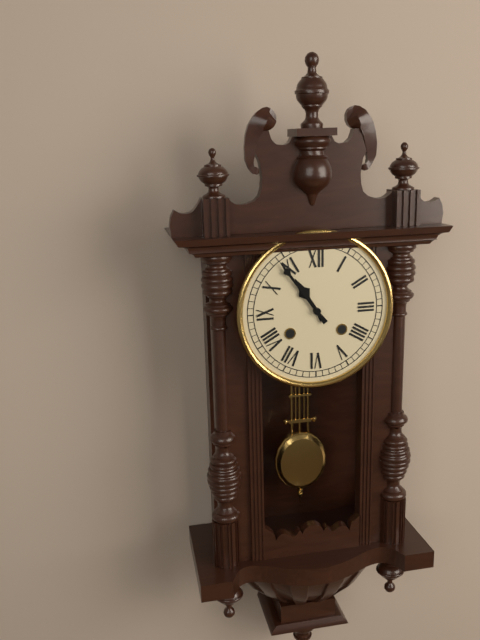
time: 10:54
